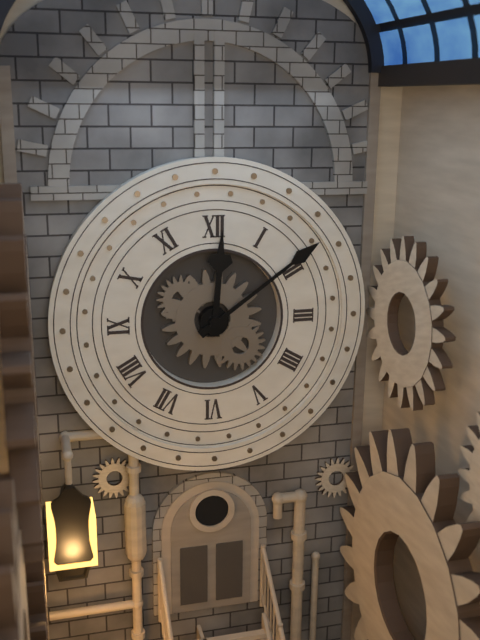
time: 12:09
